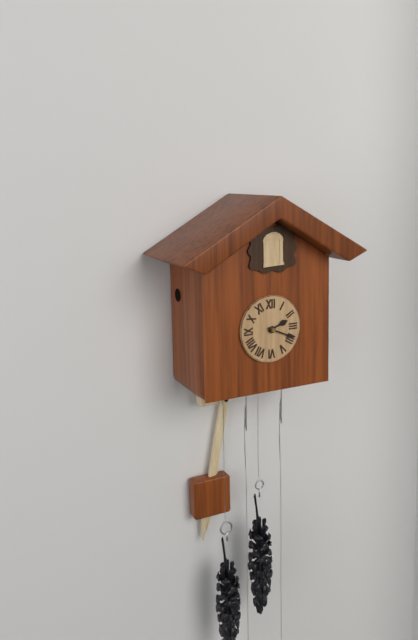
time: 2:19
